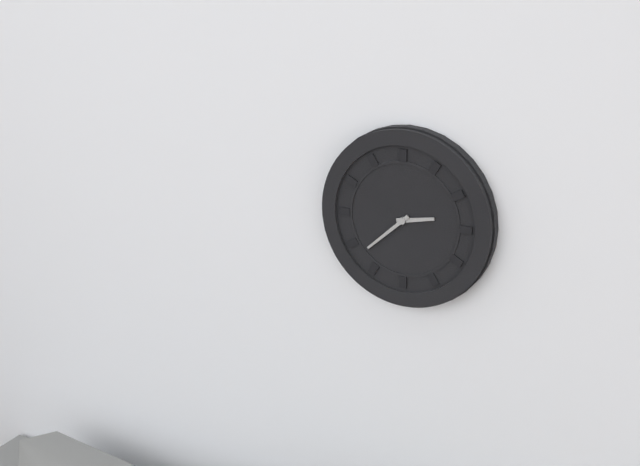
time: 2:38
